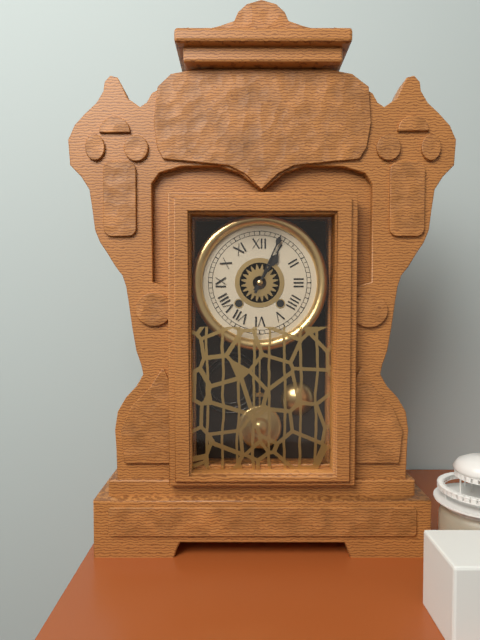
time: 1:04
